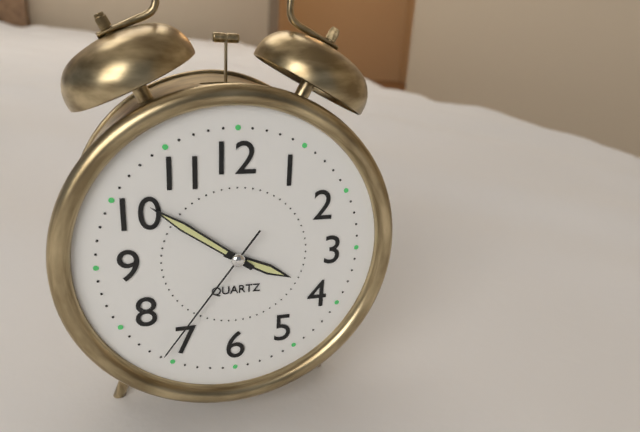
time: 3:51:36
